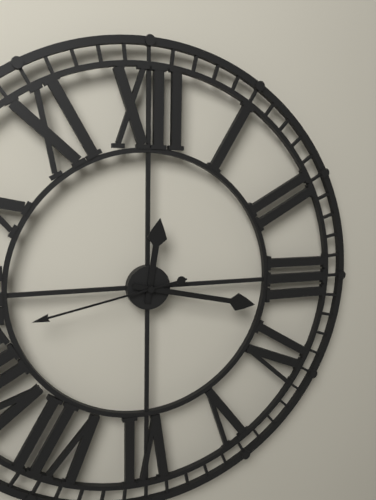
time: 12:17:43
